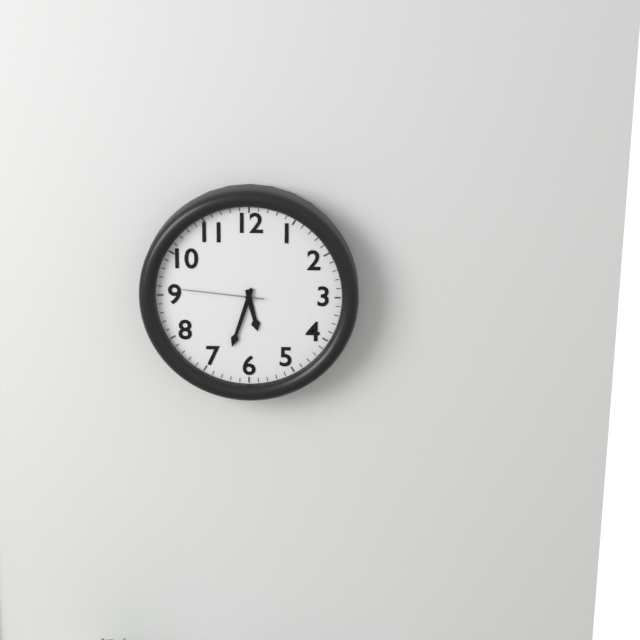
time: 5:33:46
